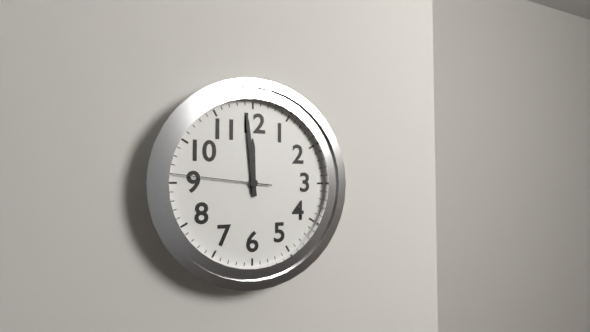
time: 11:59:46
